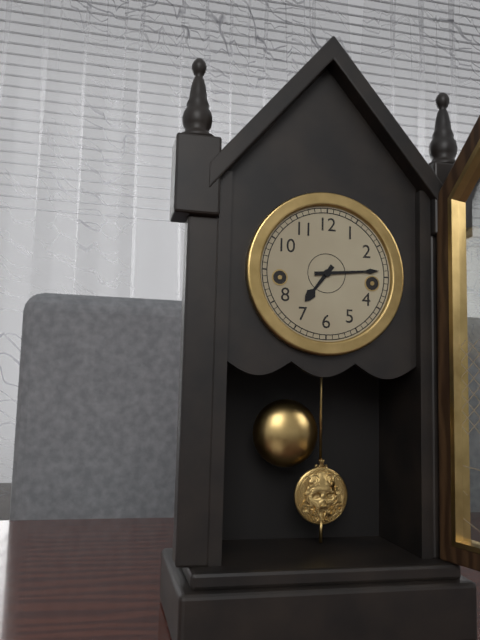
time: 7:14
